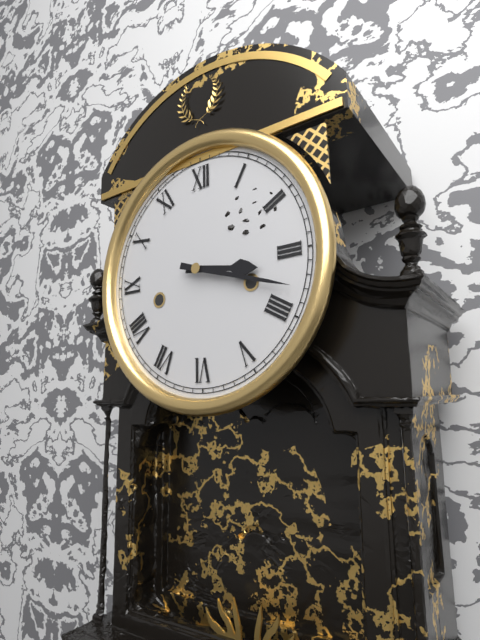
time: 3:18
